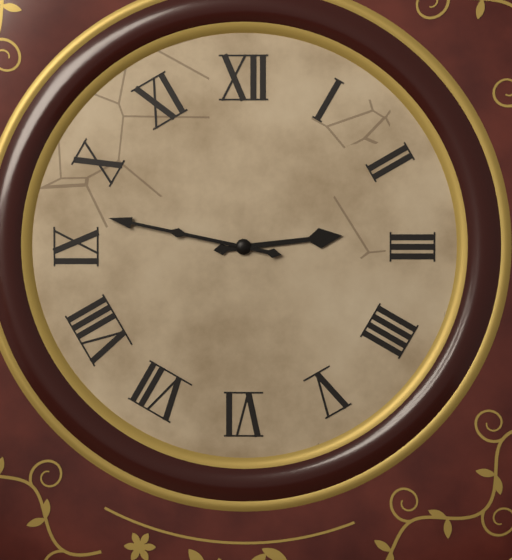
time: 2:47
